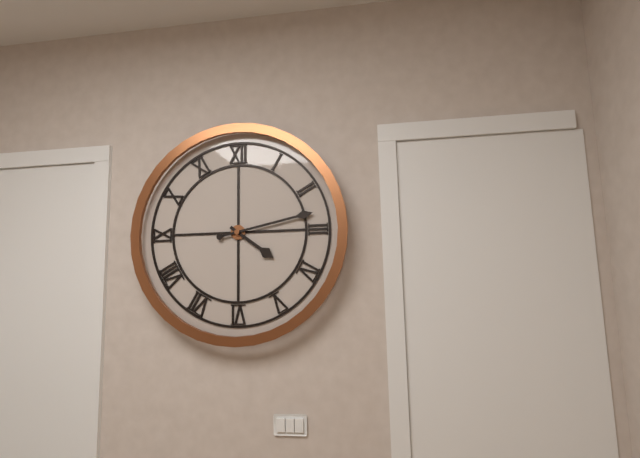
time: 4:13
